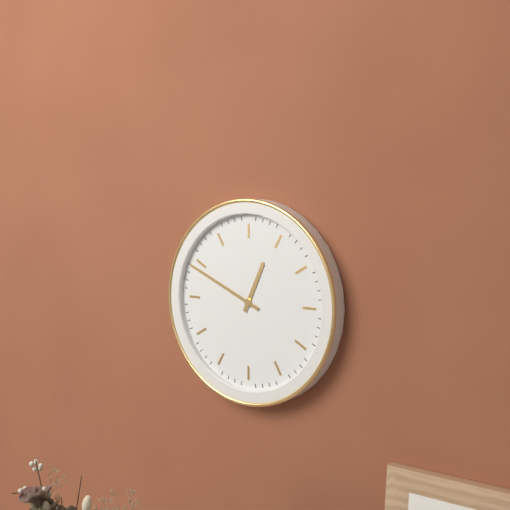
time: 12:49
